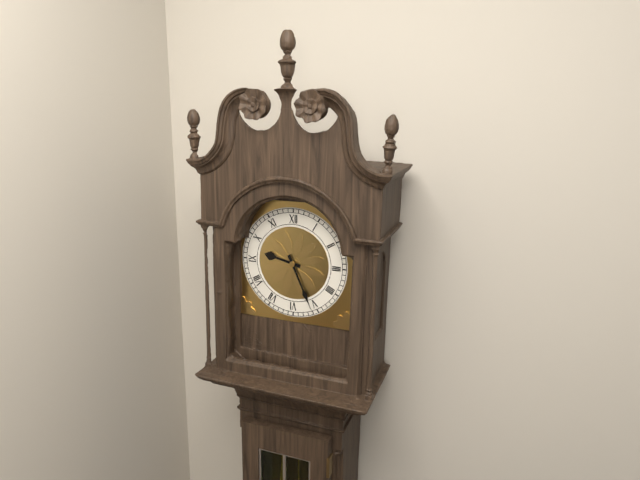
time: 9:26
